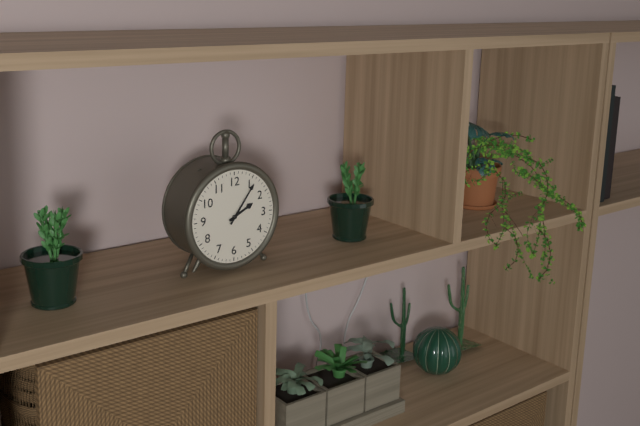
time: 2:06
